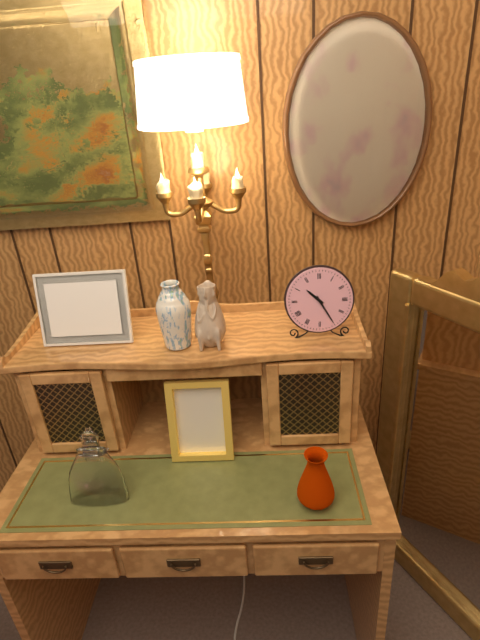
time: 10:25
